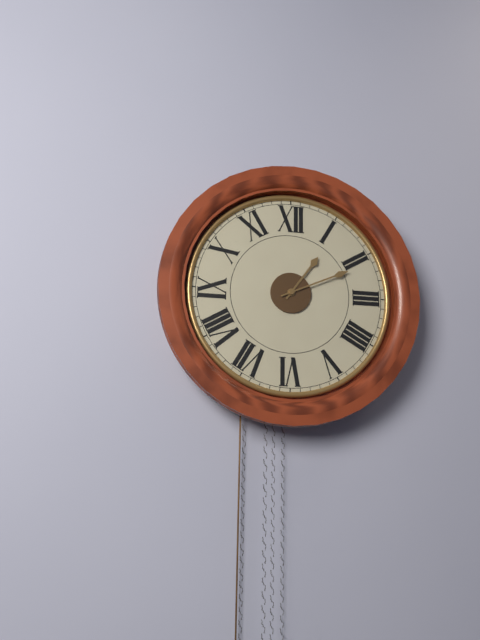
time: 1:11
